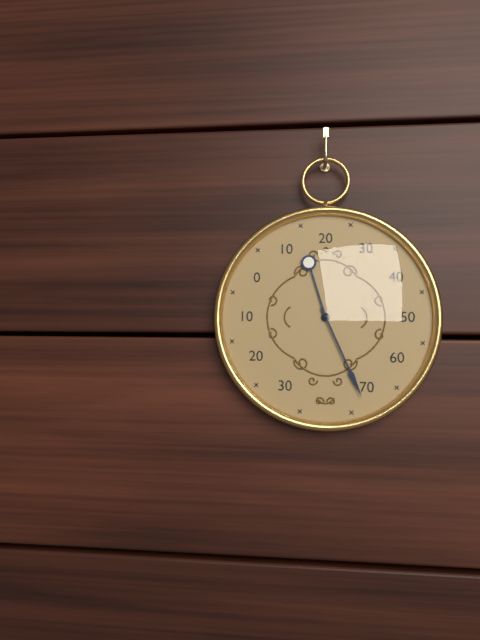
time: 11:26
